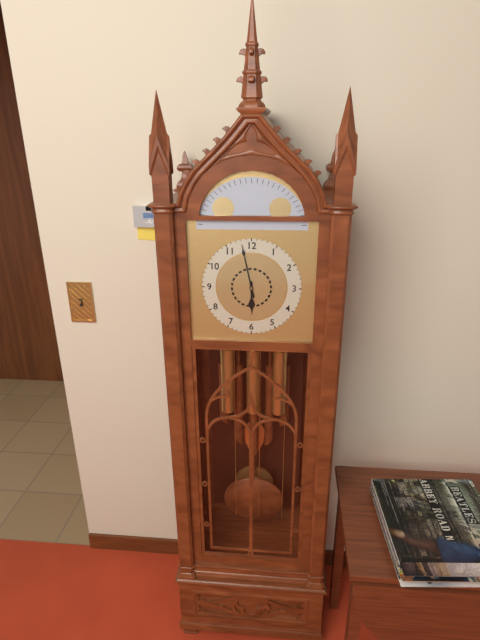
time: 5:58
